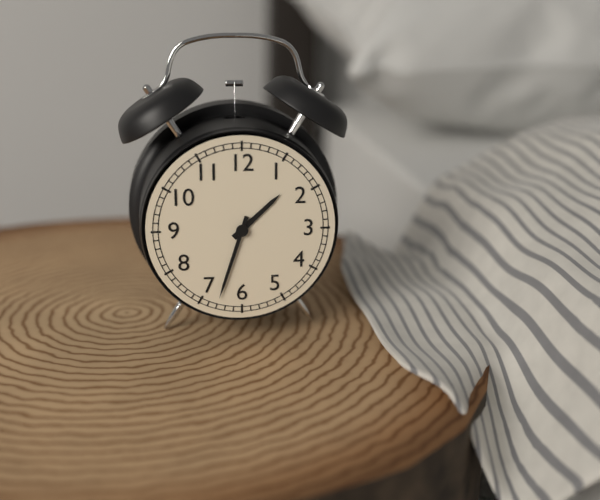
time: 1:33
